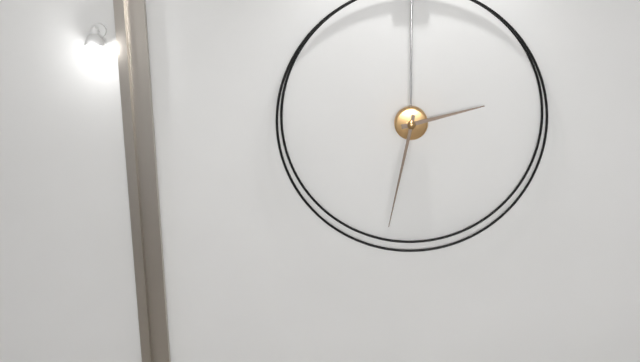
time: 2:32
